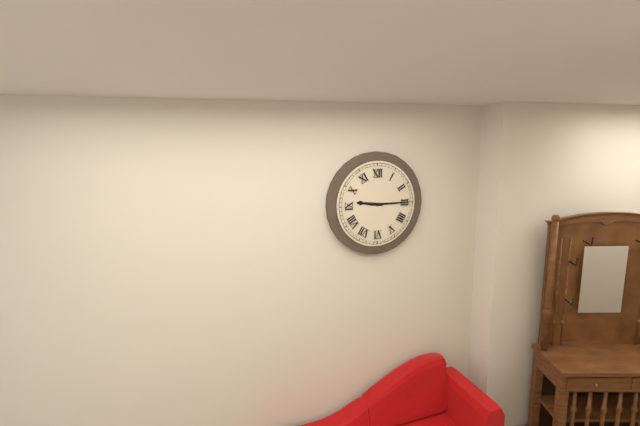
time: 9:15
